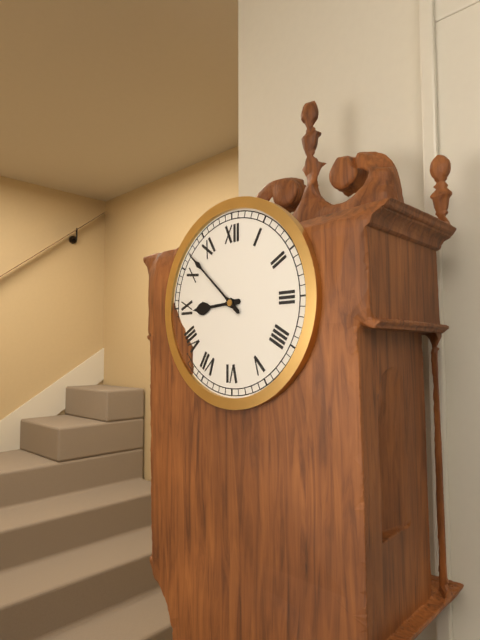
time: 8:52
